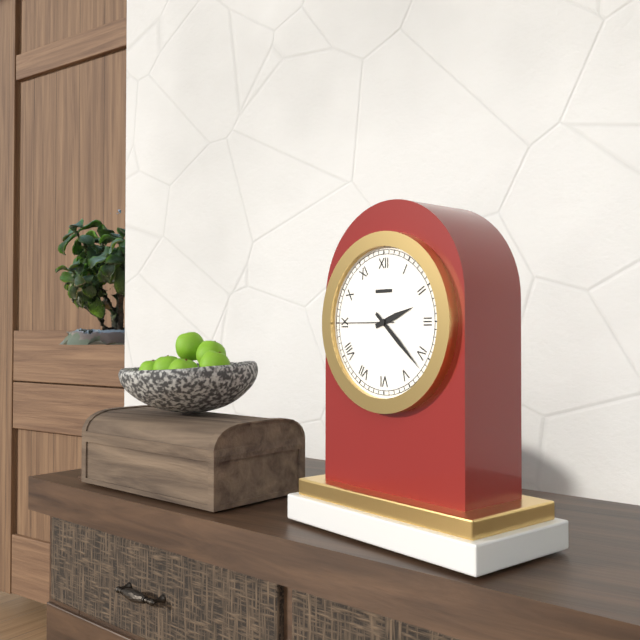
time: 2:22:45
